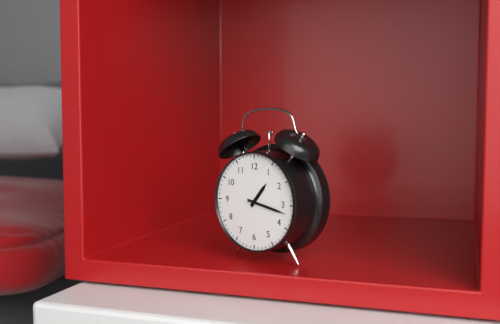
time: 1:17
